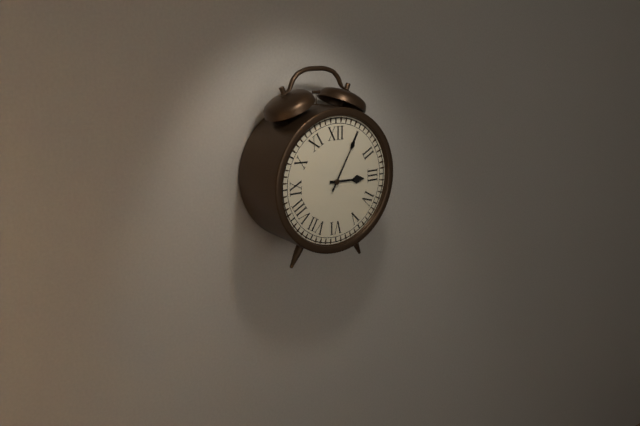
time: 3:05
